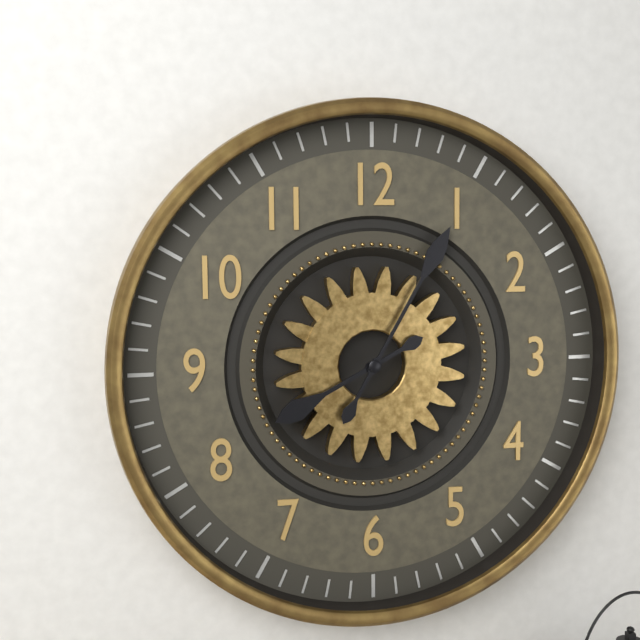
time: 8:05
